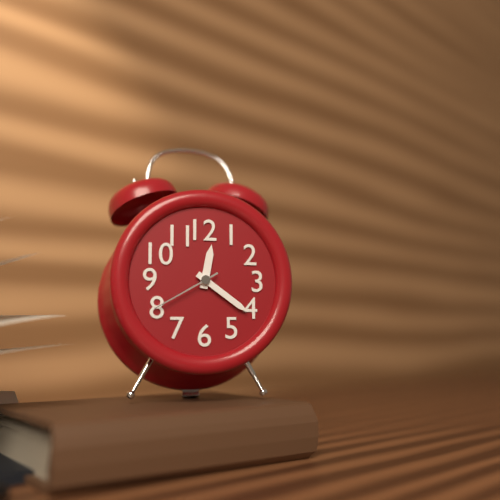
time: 12:21:40
